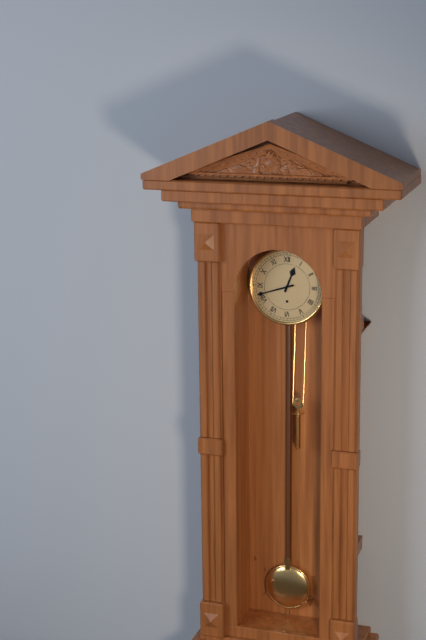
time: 12:42
